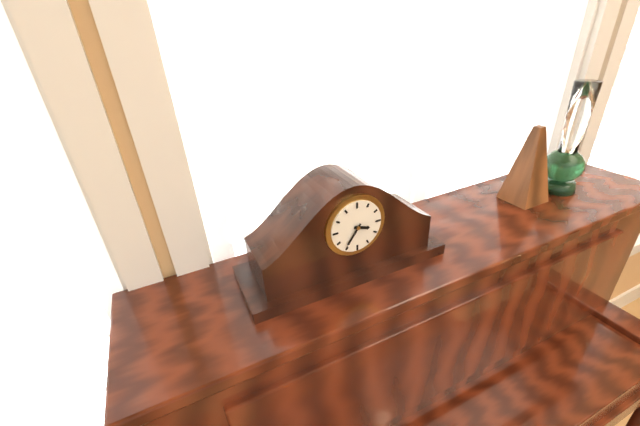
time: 3:36
